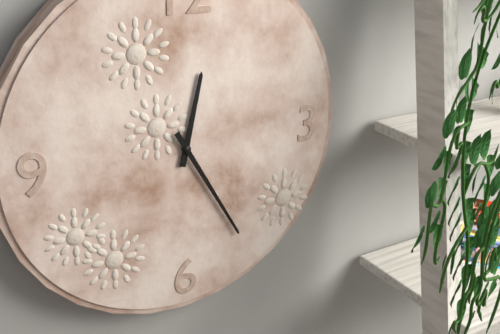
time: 12:25
